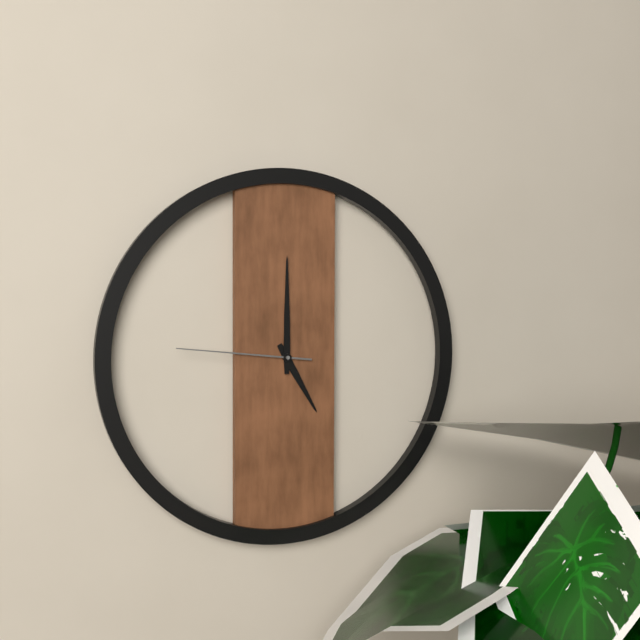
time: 5:00:46
